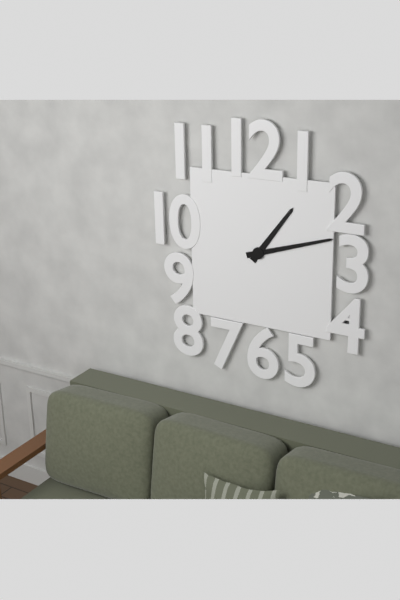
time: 1:12
